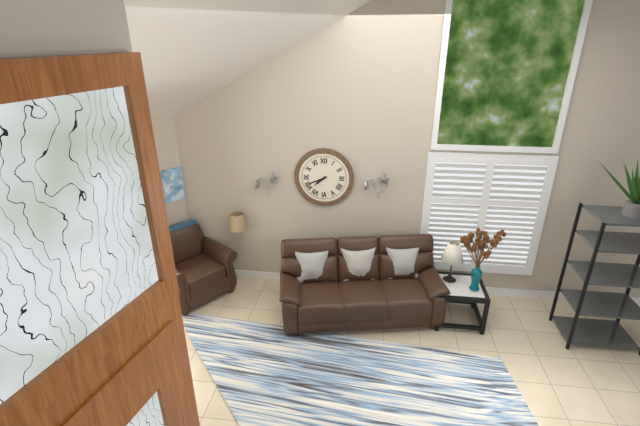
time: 7:41
